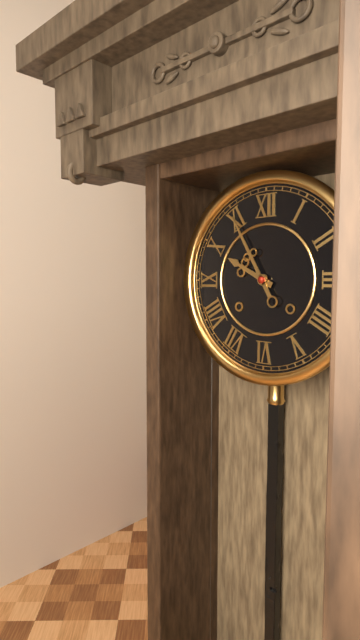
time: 9:55
